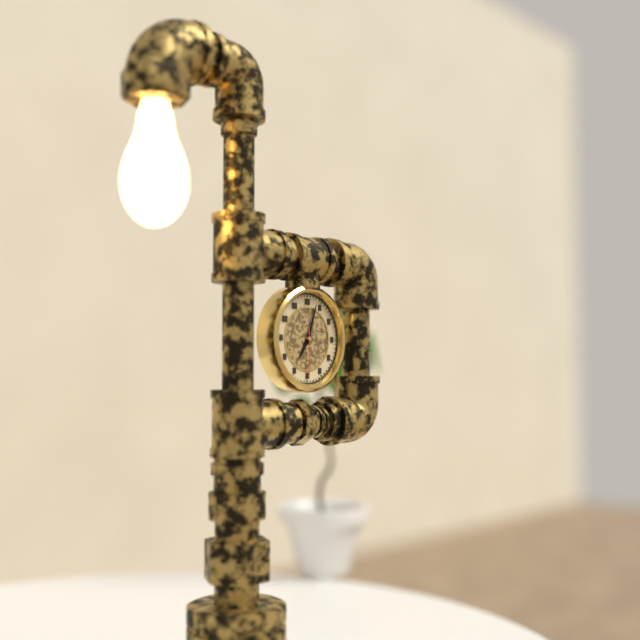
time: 7:03:30
